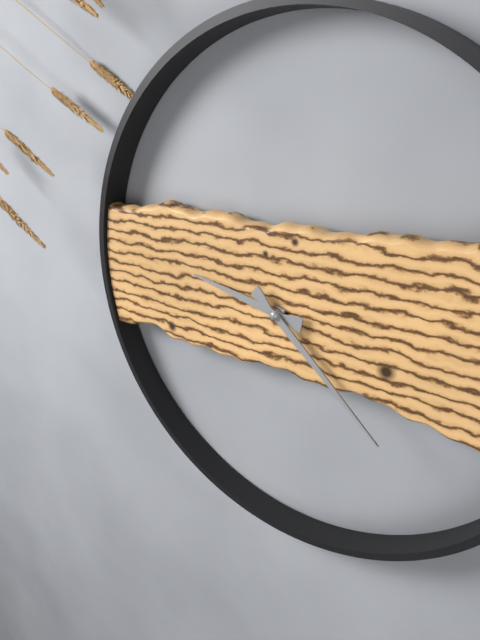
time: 9:22
